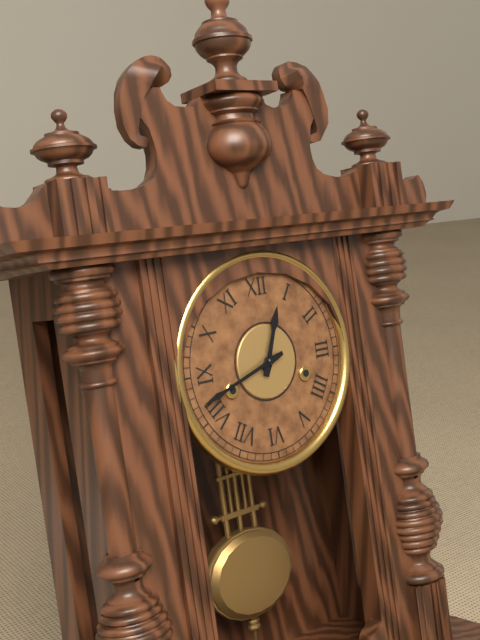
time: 12:42
